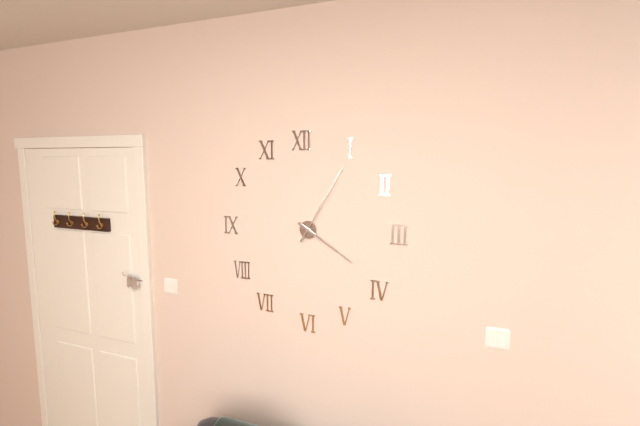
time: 4:05
